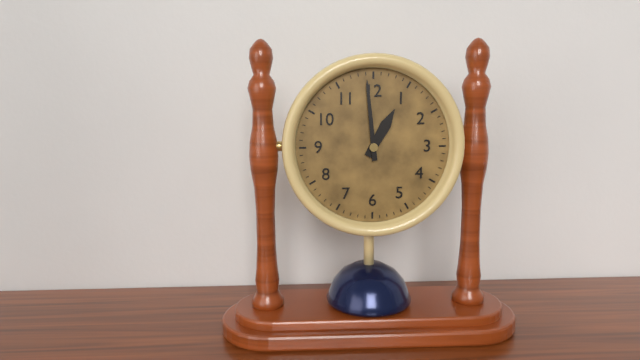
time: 12:59
